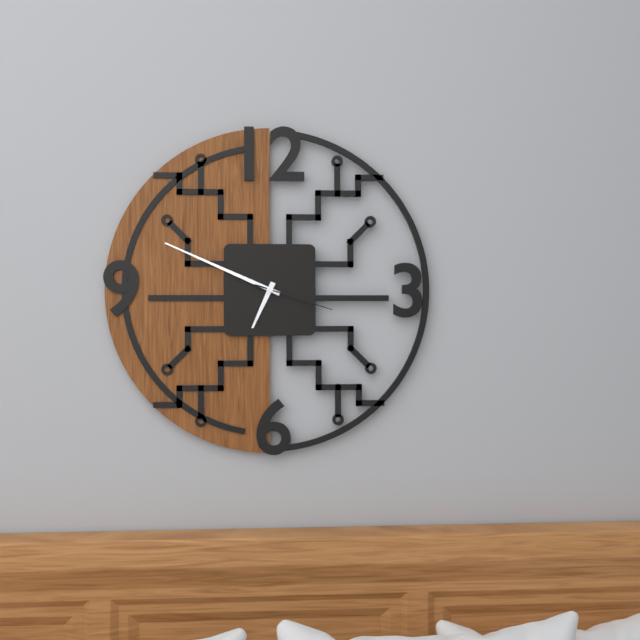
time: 6:49:18
